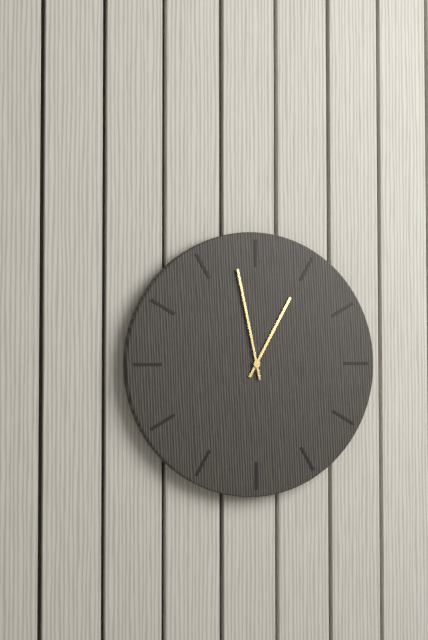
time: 12:58
